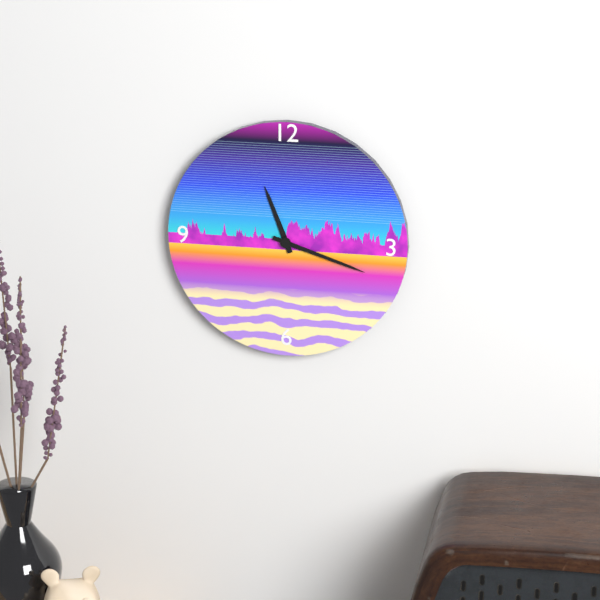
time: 11:18
